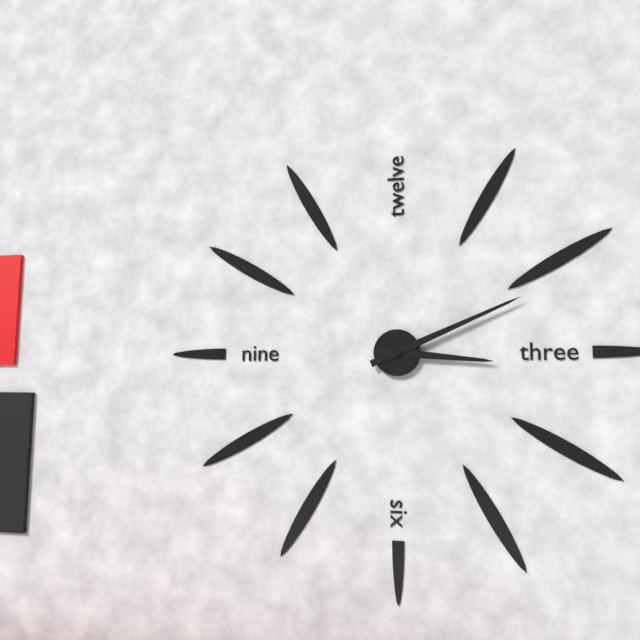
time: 3:11
